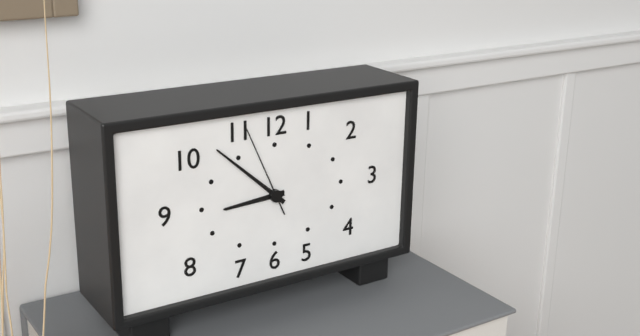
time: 8:52:56
